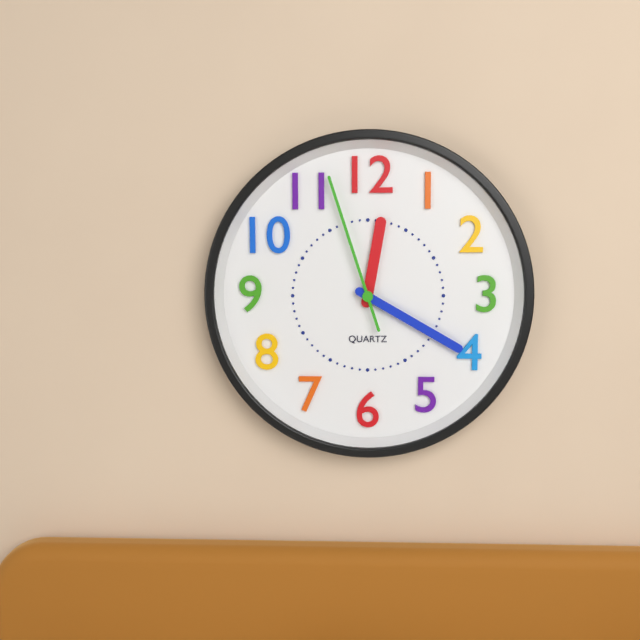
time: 12:20:57
